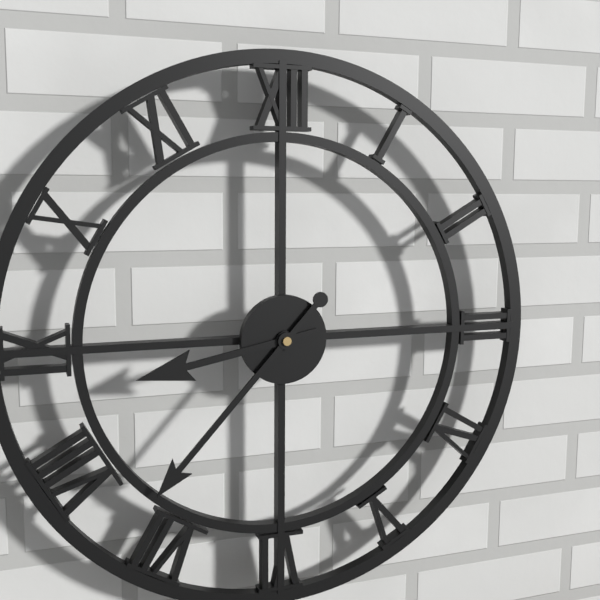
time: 8:37
